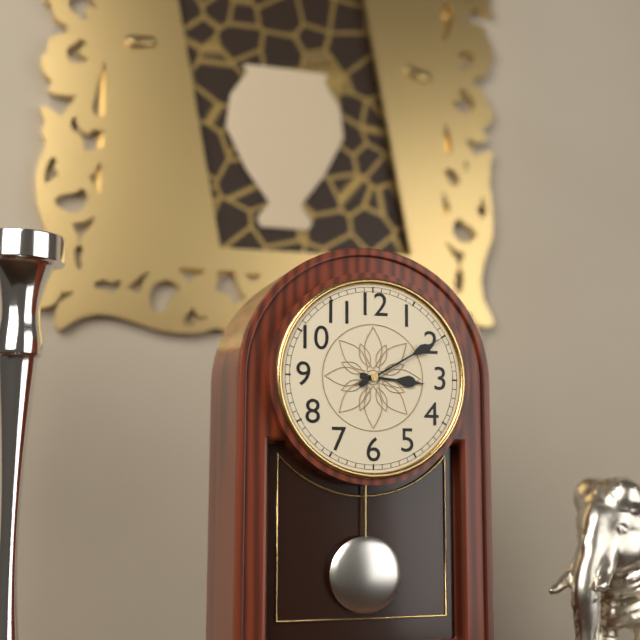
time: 3:10
